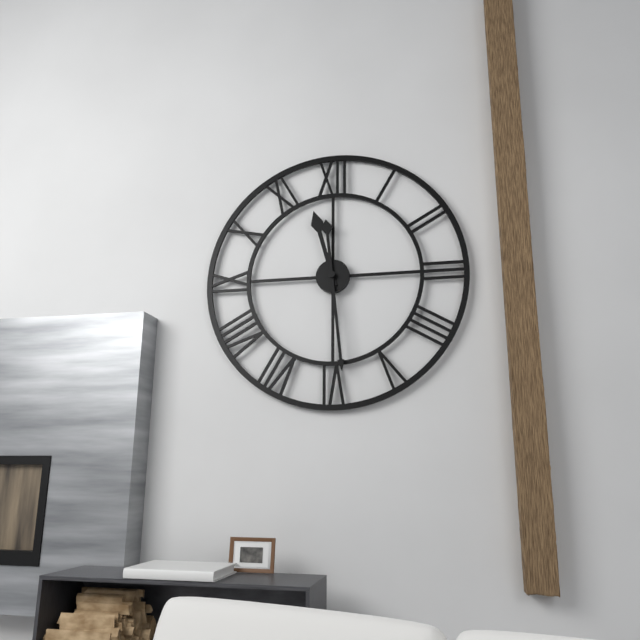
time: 11:29
